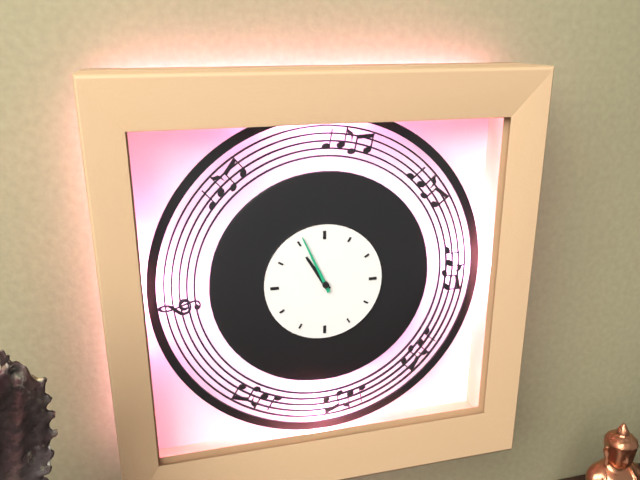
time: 10:56
